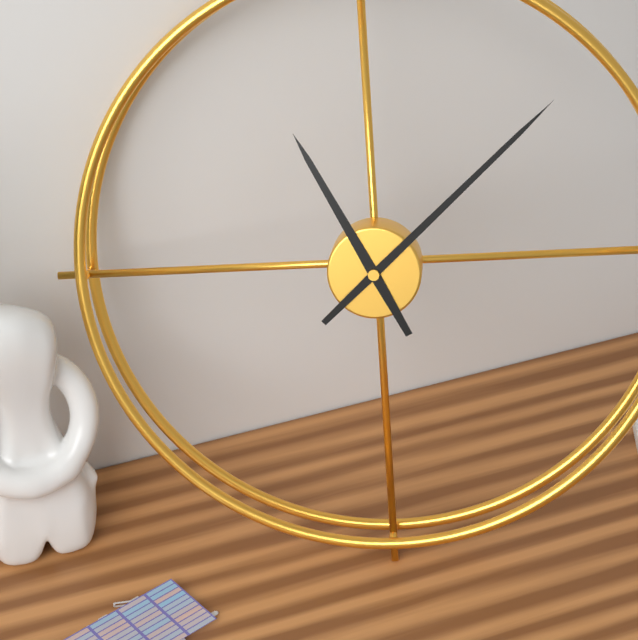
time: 11:08
